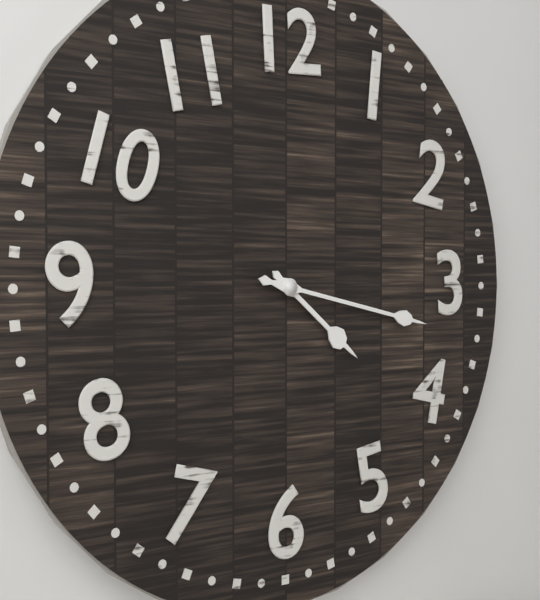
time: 4:17
